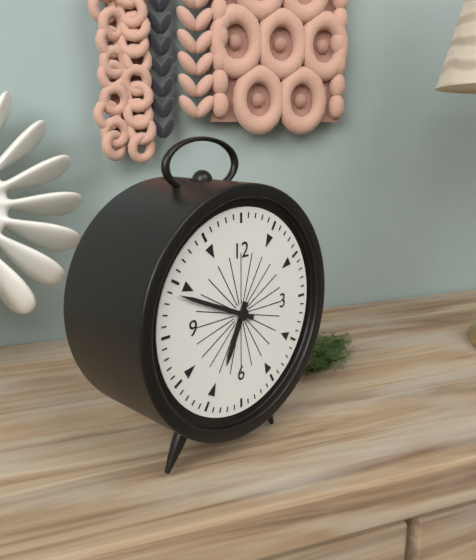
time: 6:49
